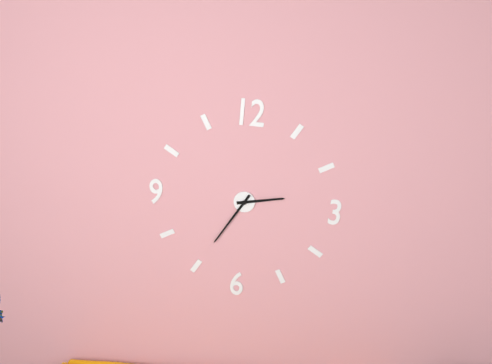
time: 2:35
